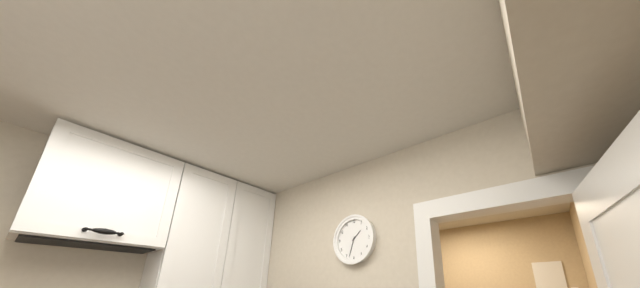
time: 1:33
